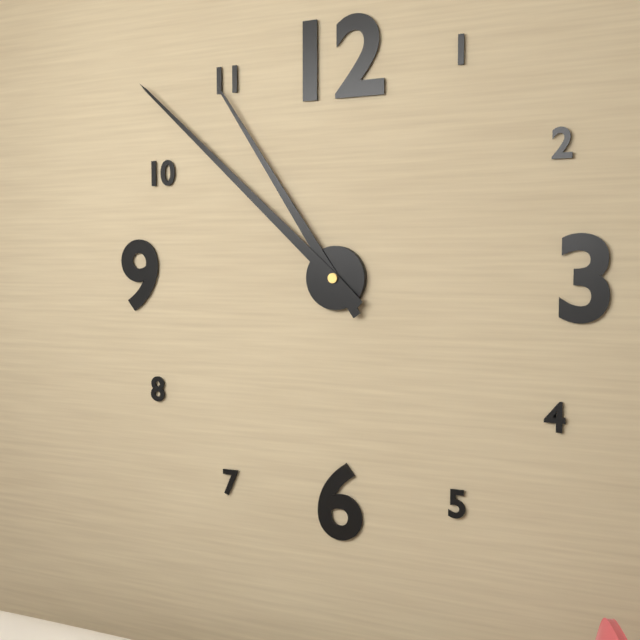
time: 10:52
